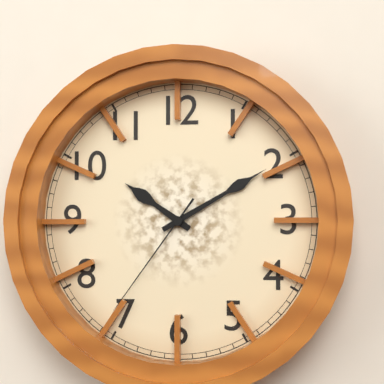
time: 10:10:36
